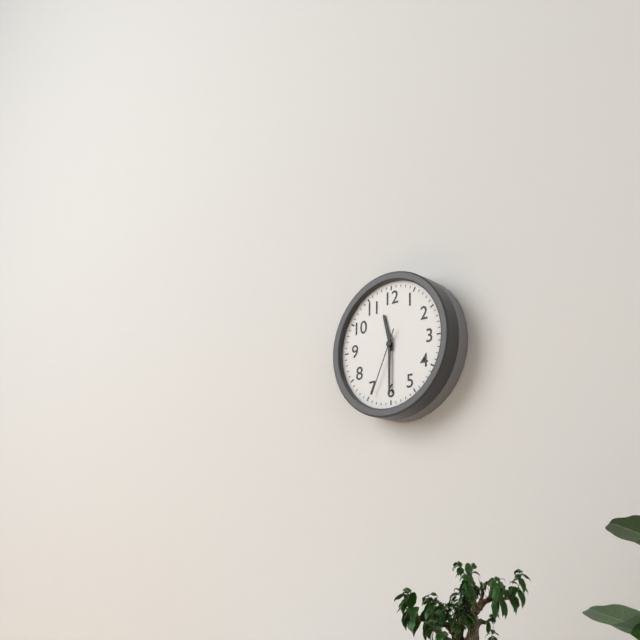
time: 11:30:34
